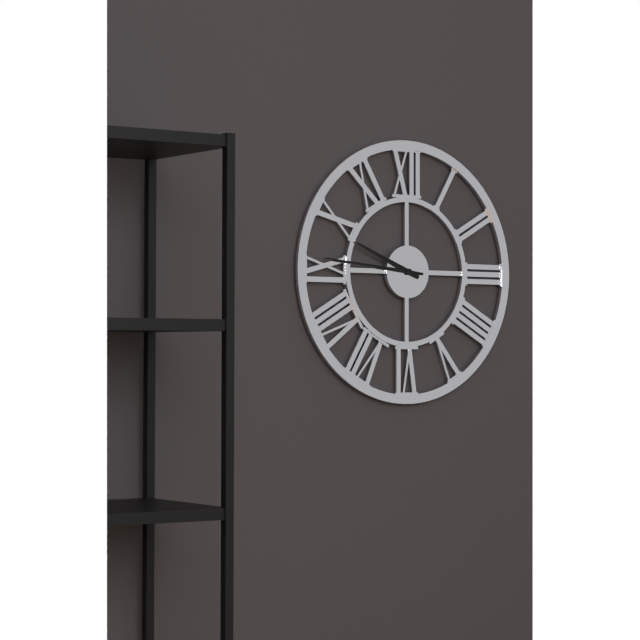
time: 9:46
